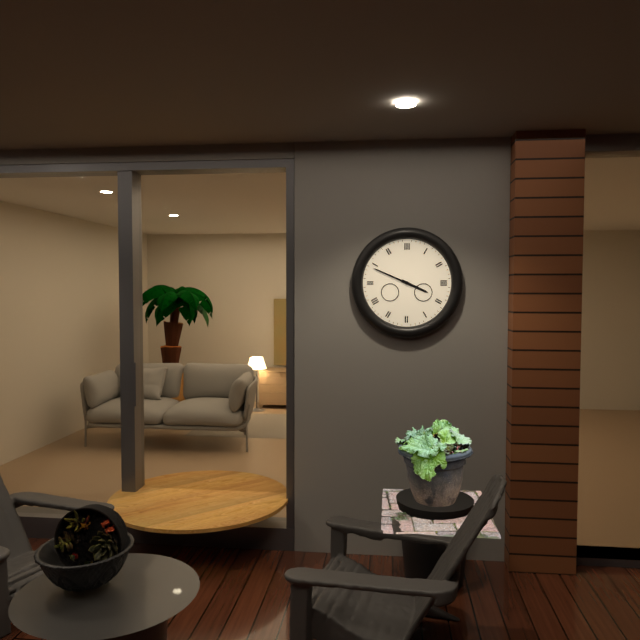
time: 3:49
